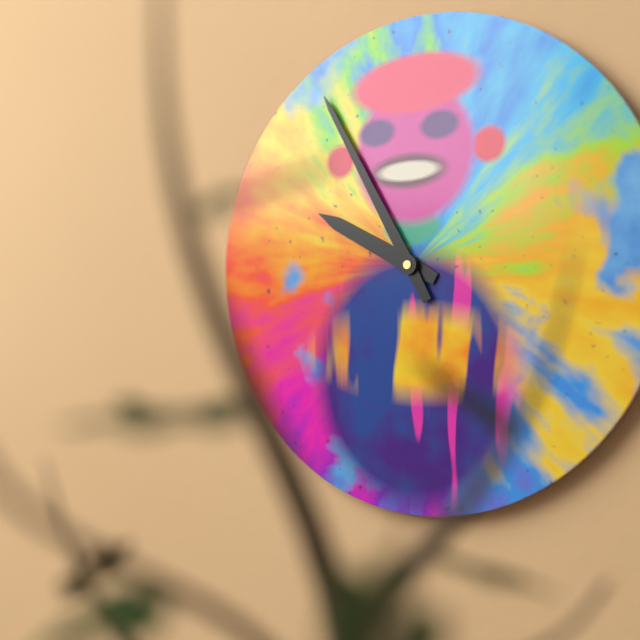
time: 9:55
